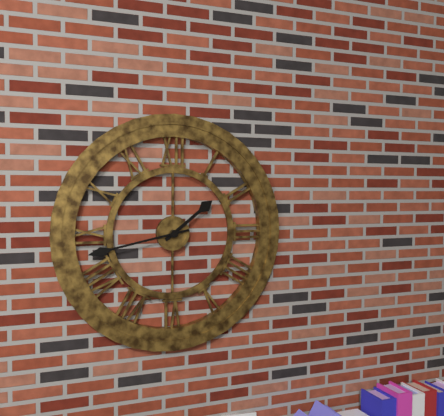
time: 1:43
